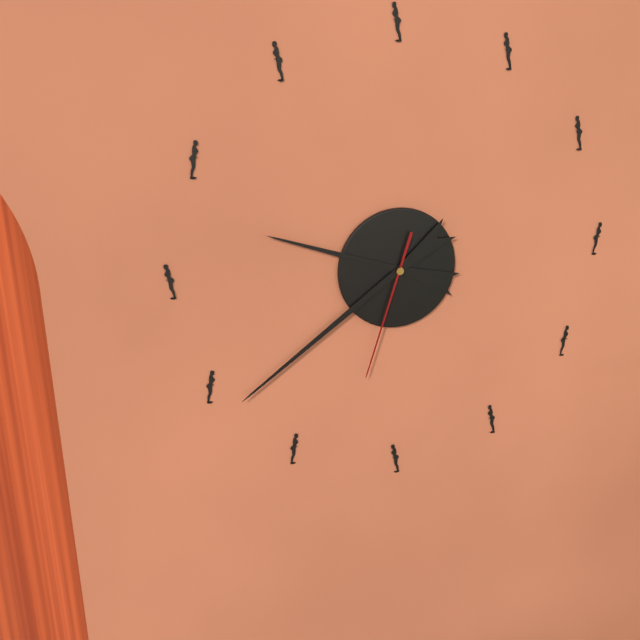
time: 9:39:33
